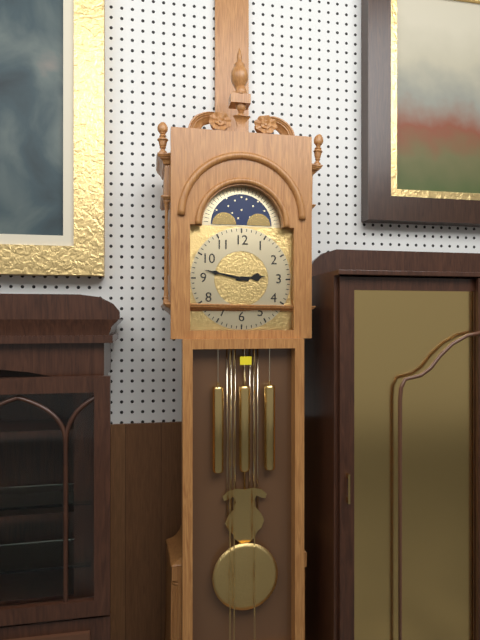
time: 2:47
